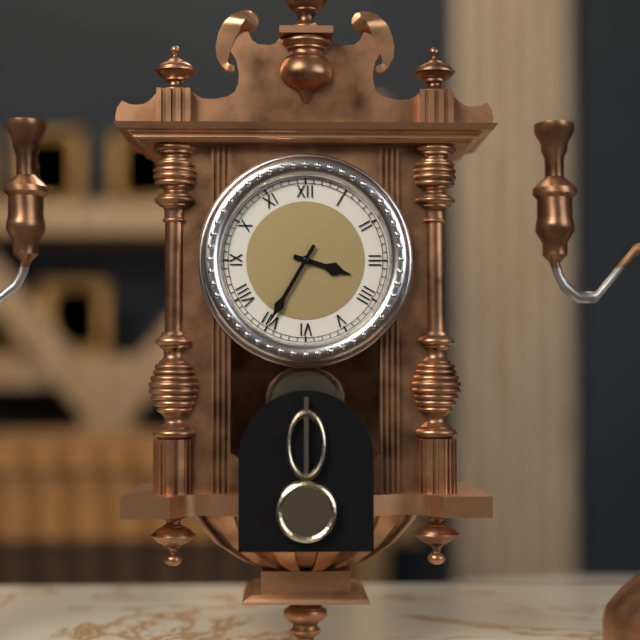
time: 3:35
